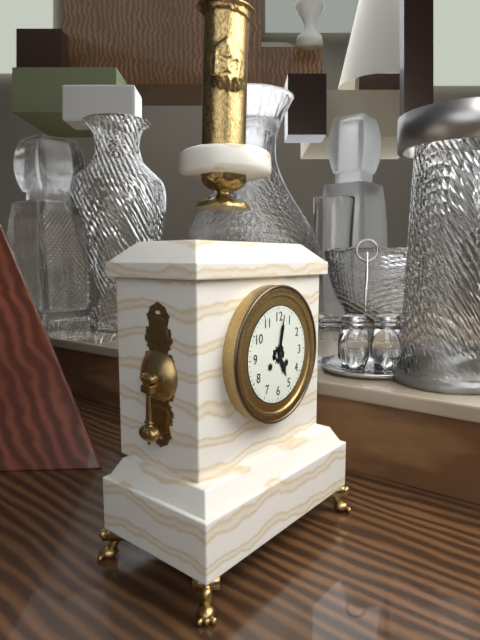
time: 5:02
